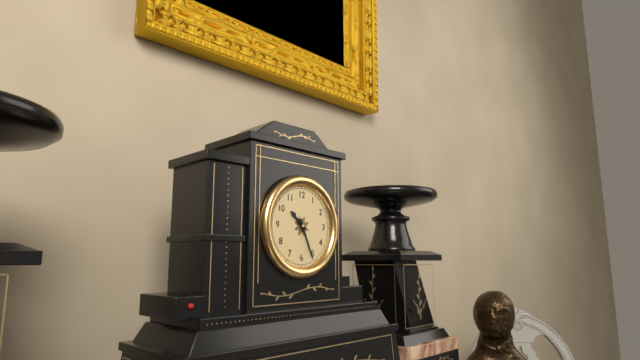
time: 10:26
